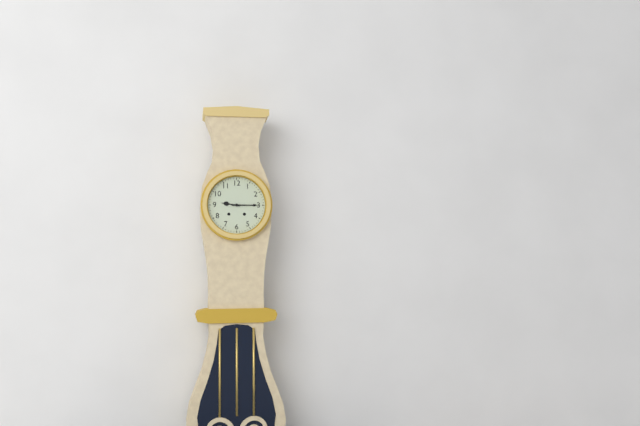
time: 9:15
